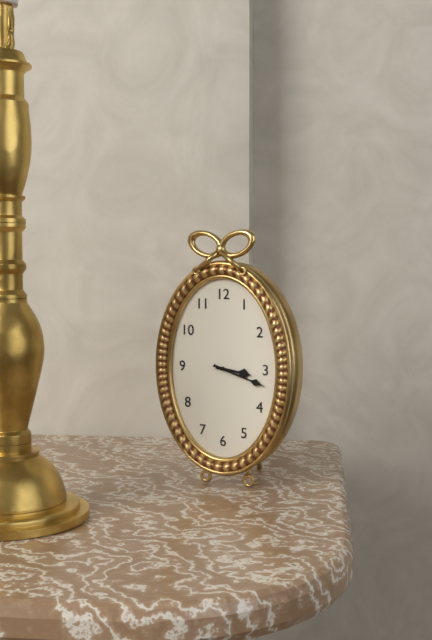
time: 3:18
